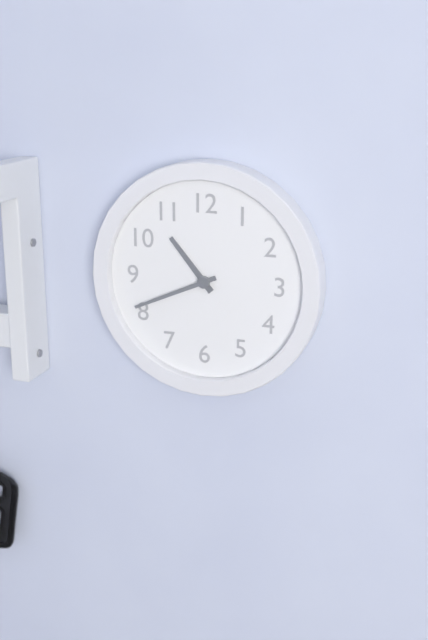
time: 10:41
